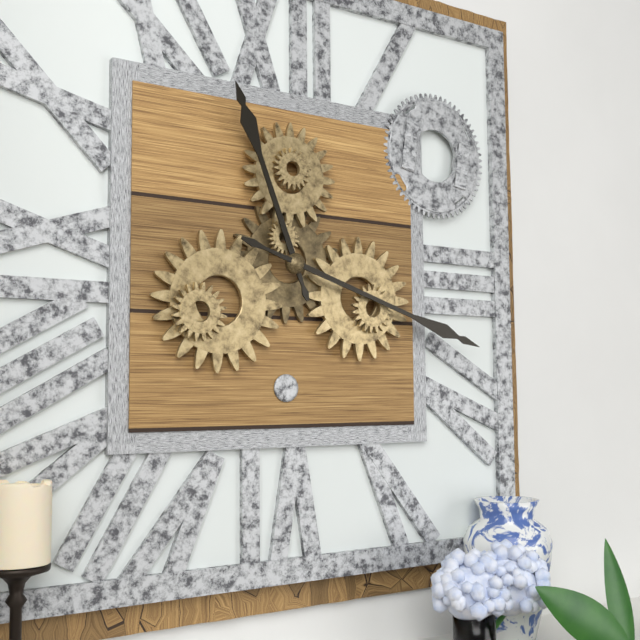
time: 11:18
